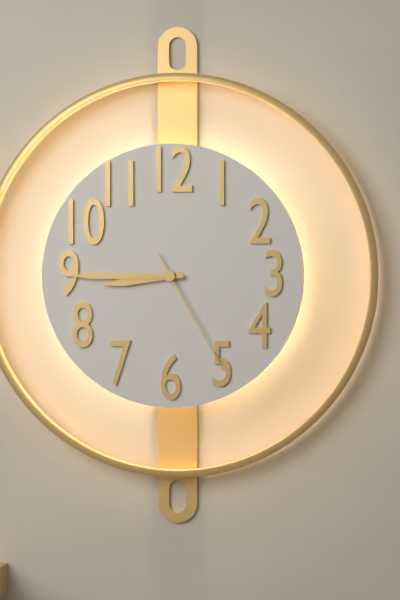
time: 8:45:25
